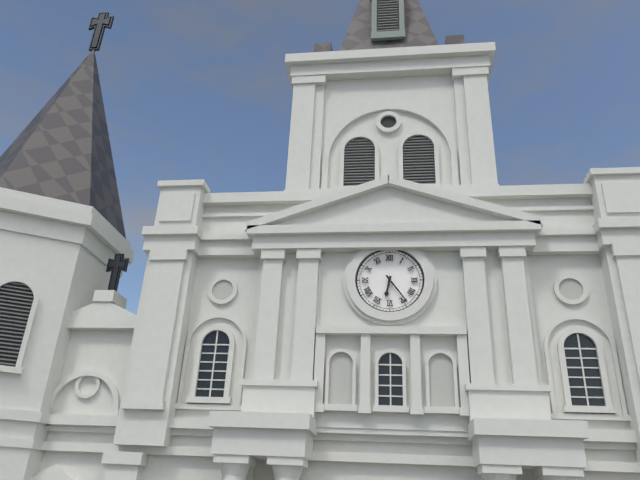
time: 6:24
